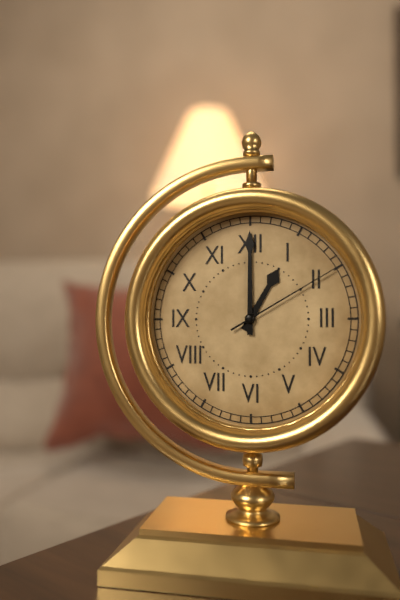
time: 1:00:10
